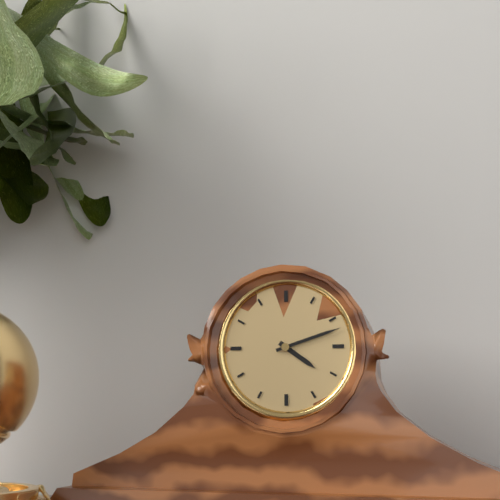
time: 4:12
